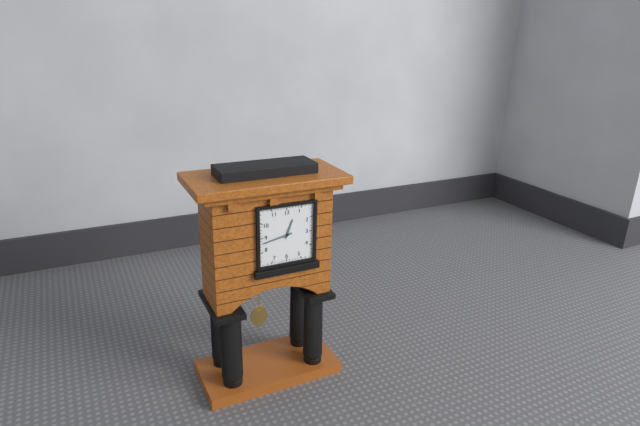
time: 12:43
